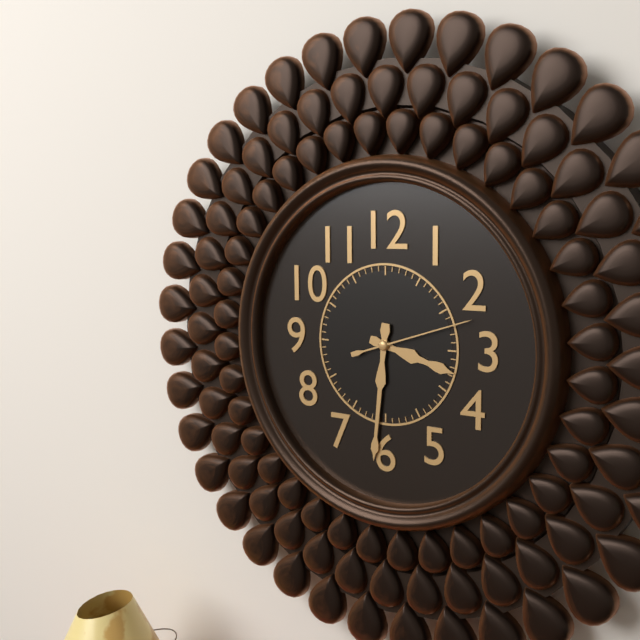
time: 3:31:12
